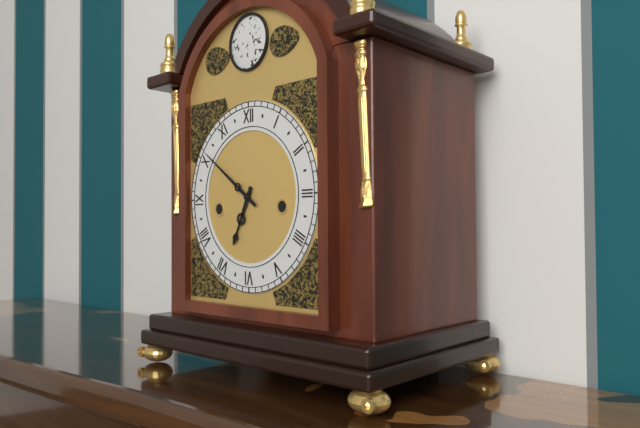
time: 6:51
